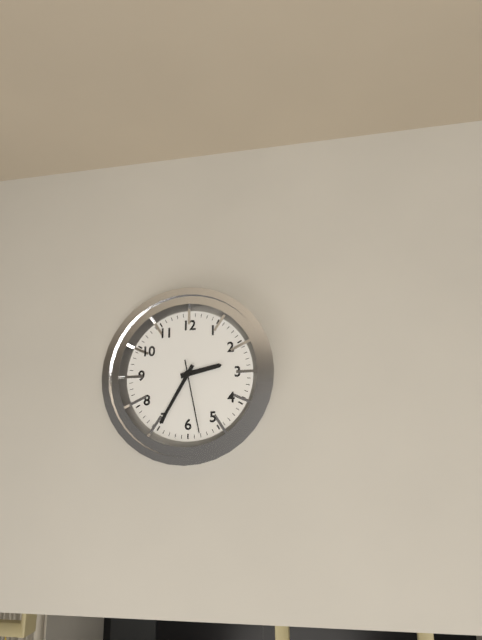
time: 2:35:28
